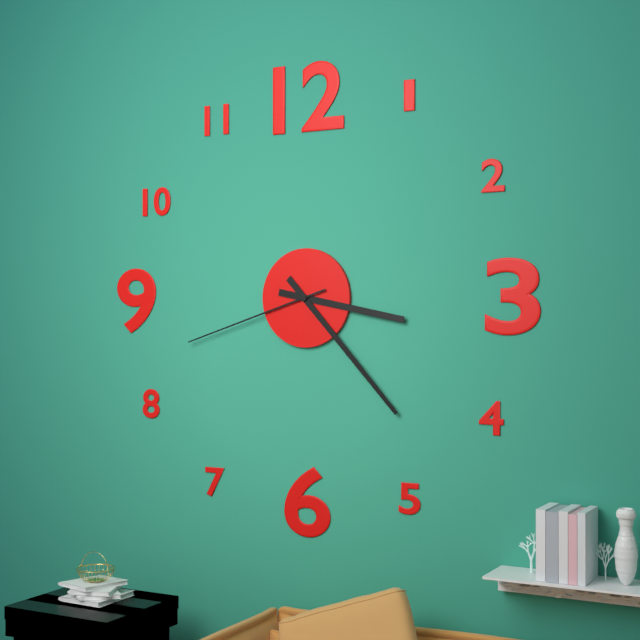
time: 3:23:42
